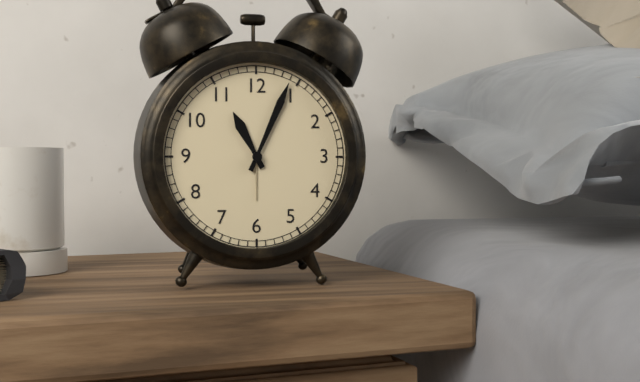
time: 11:04
